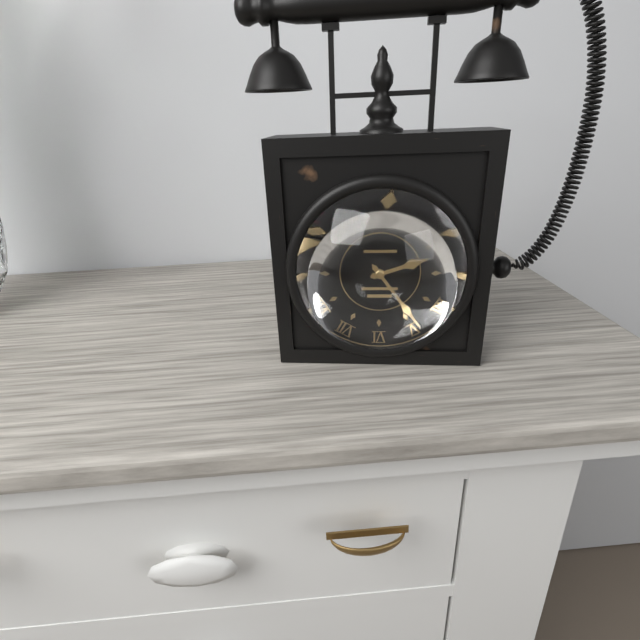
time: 2:24
